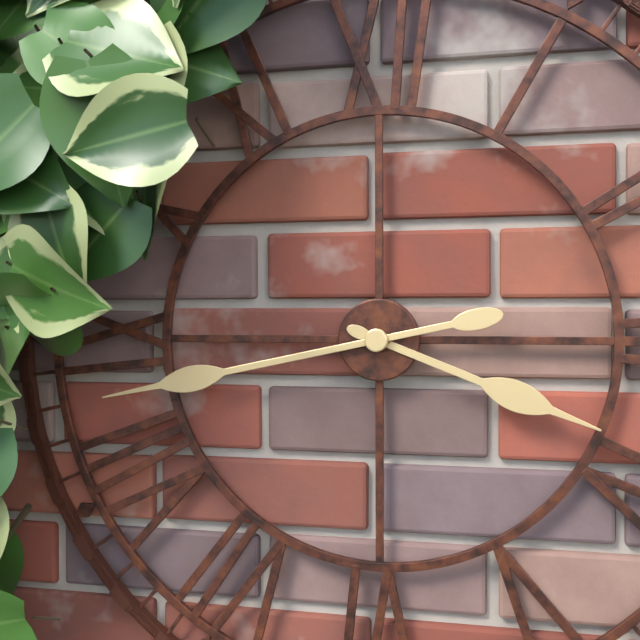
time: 3:43
